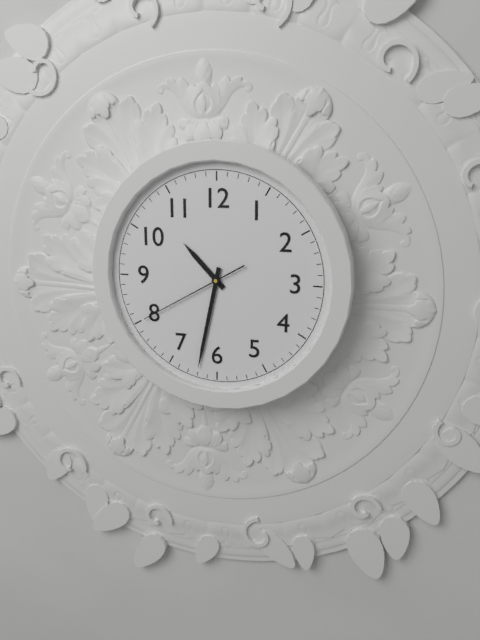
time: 10:32:40
